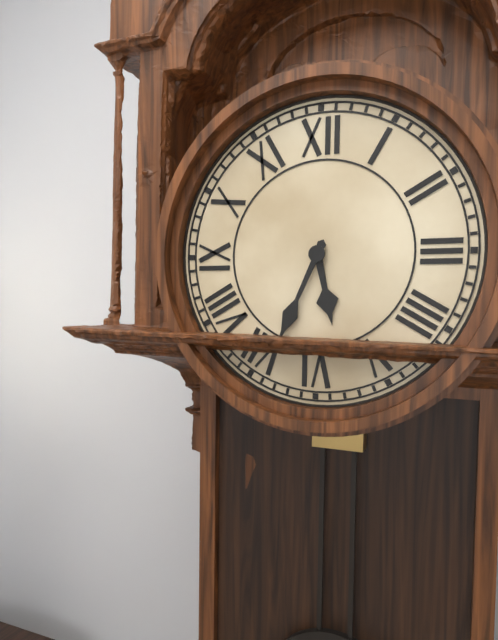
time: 5:34
